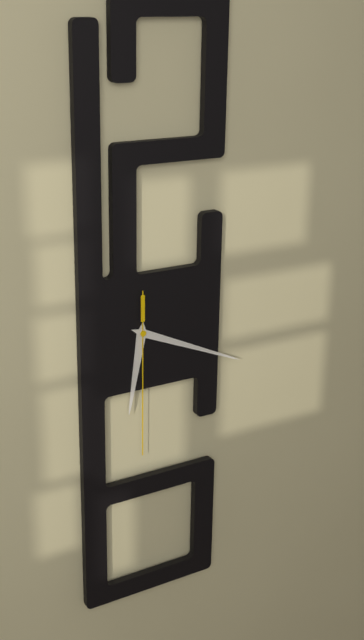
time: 6:19:30
